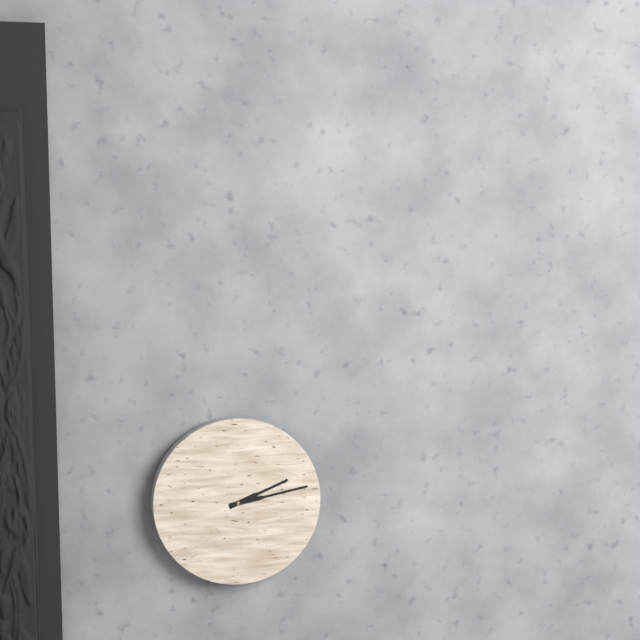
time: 2:13
